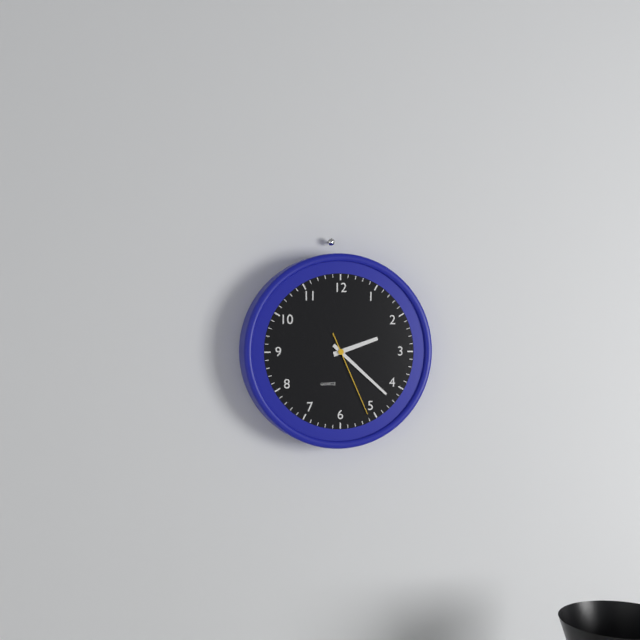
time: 2:22:26
